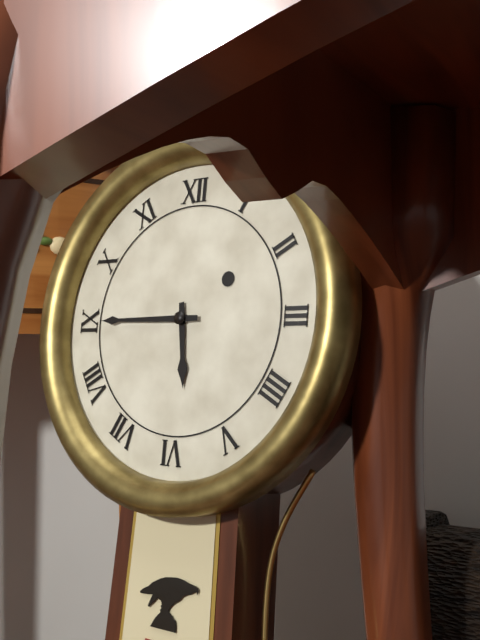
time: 5:45
